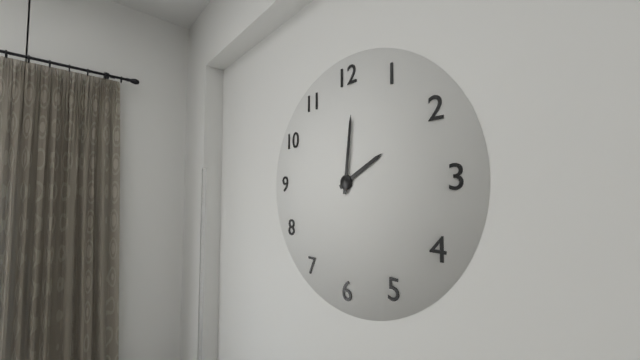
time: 2:01
